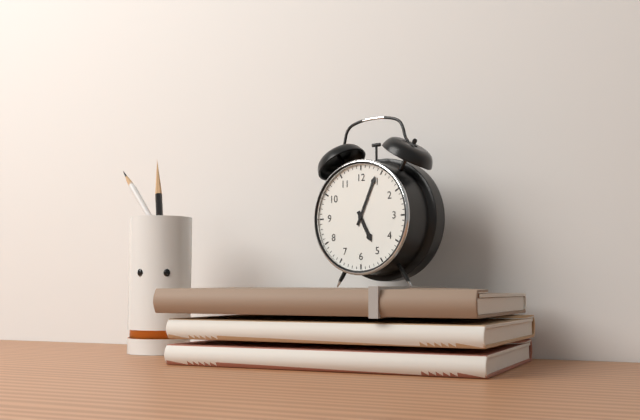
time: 5:04
